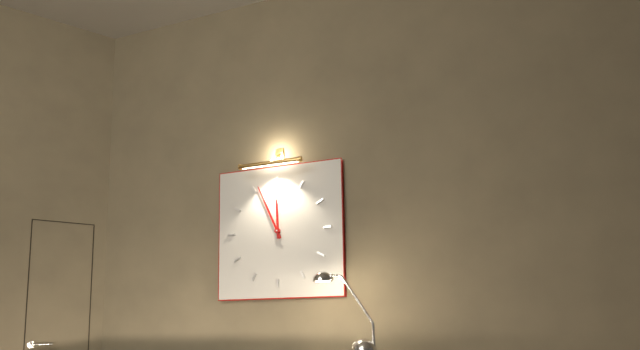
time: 11:56
